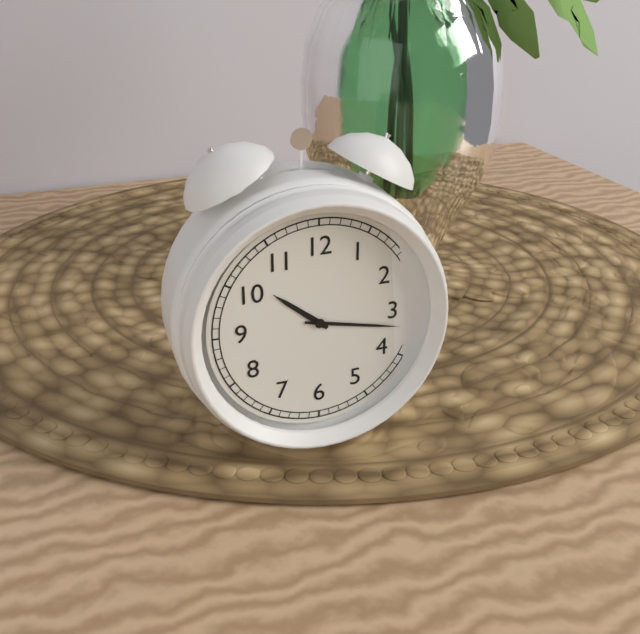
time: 10:17
